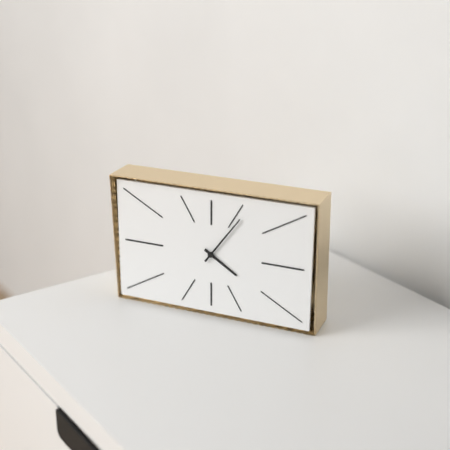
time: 4:06
